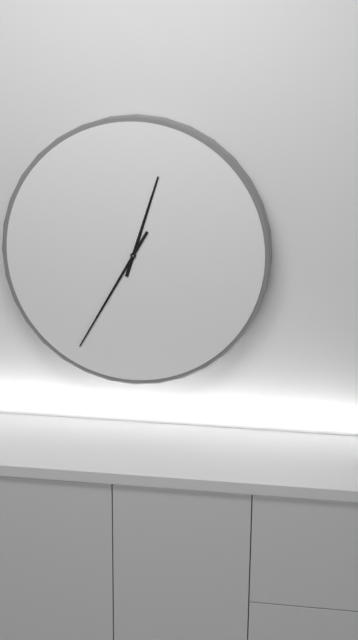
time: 12:35
